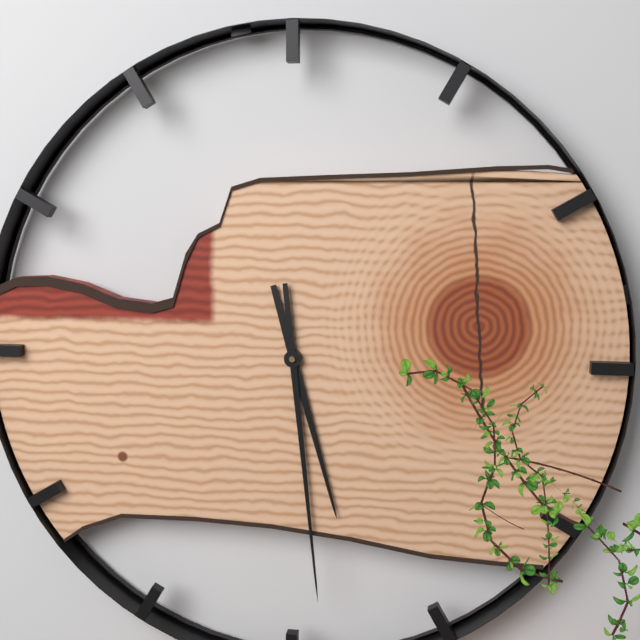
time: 5:29
